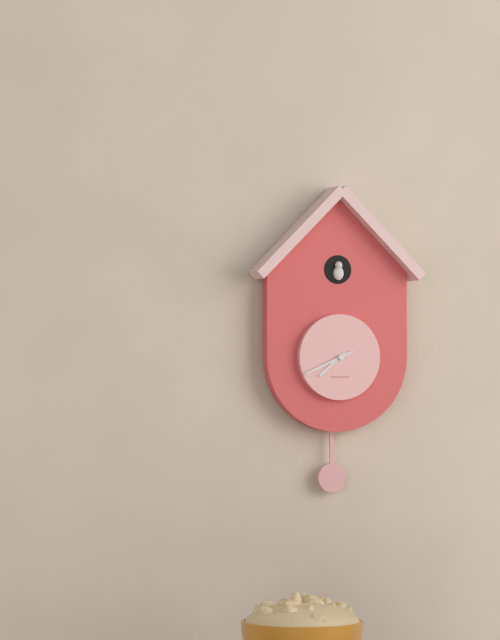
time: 7:41
